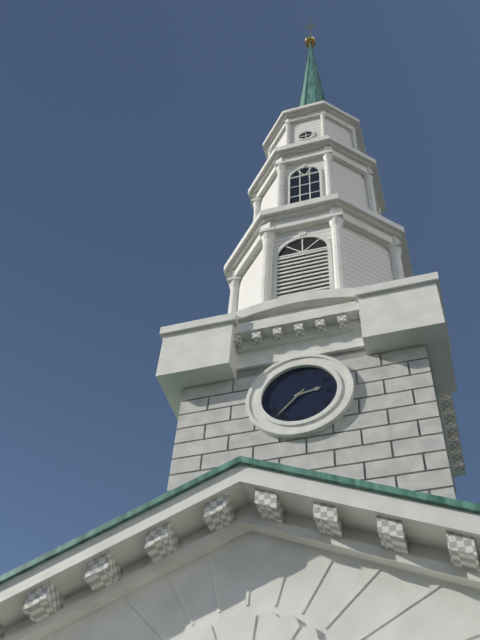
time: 2:37
